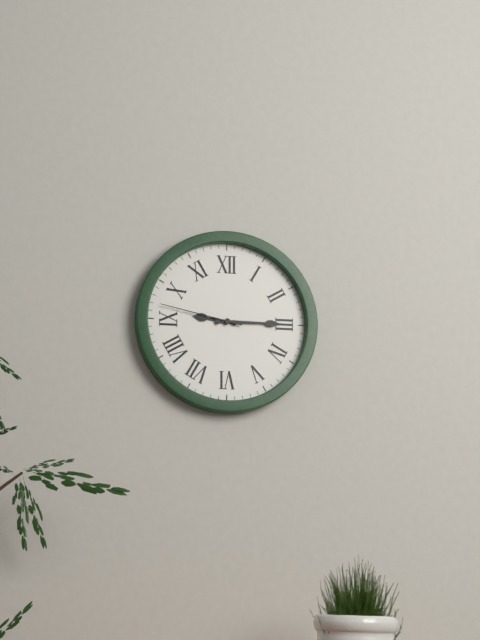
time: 9:15:47
